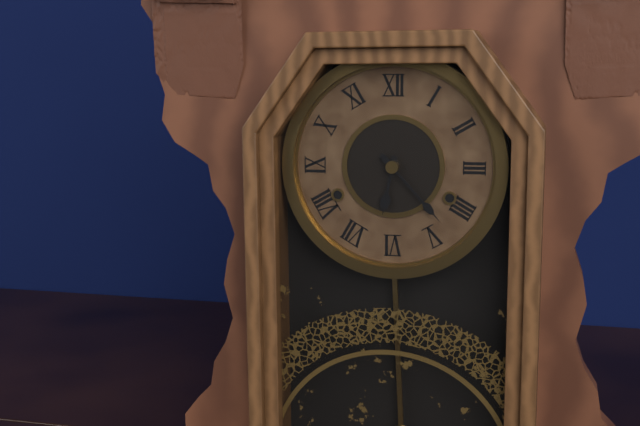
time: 6:23
